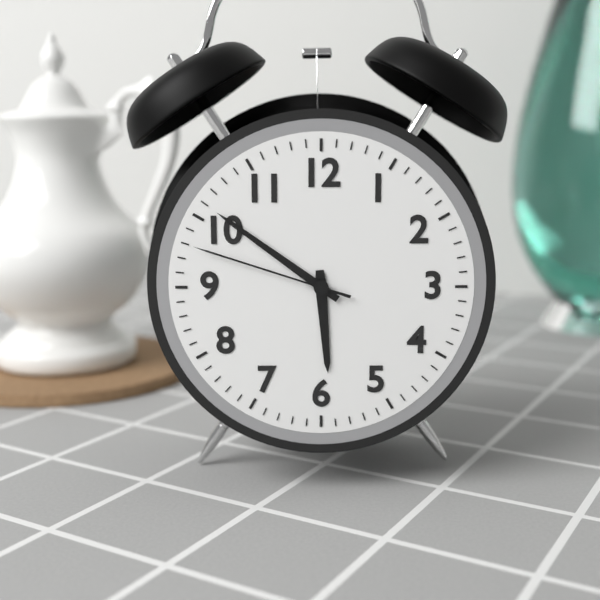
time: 5:51:48
